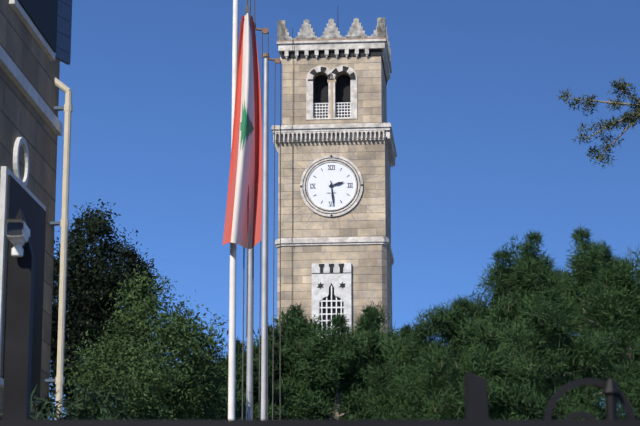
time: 2:29
